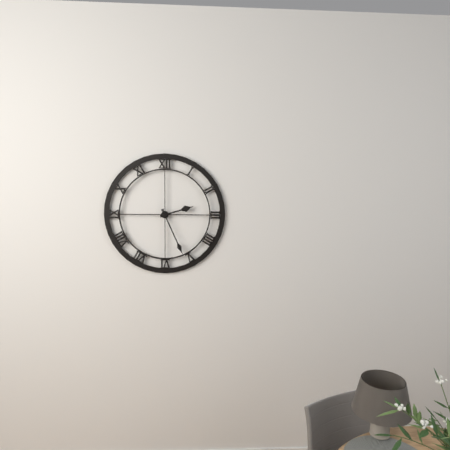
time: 2:26
